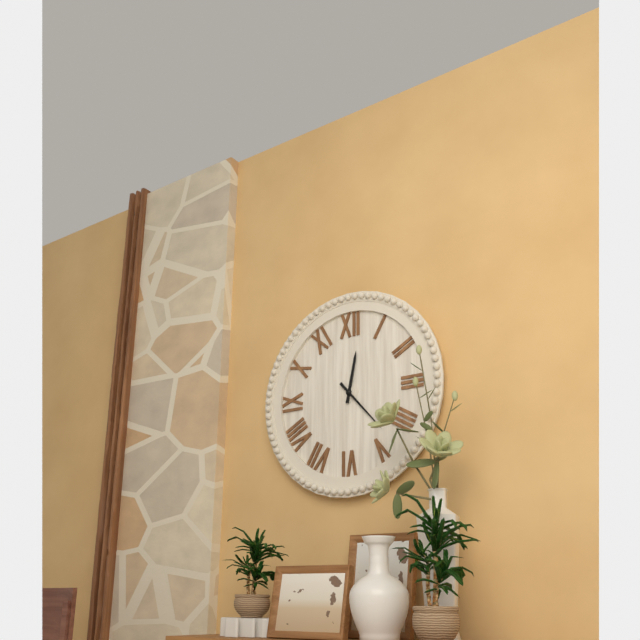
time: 12:23
